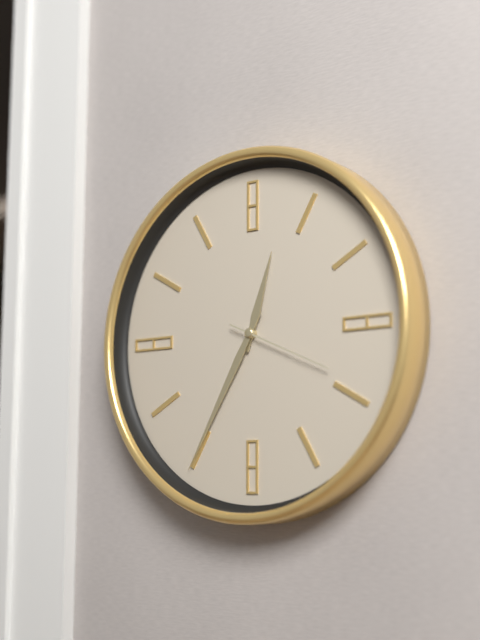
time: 12:35:19
